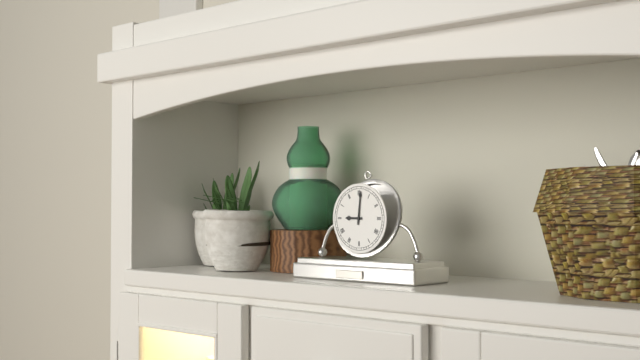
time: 9:01
